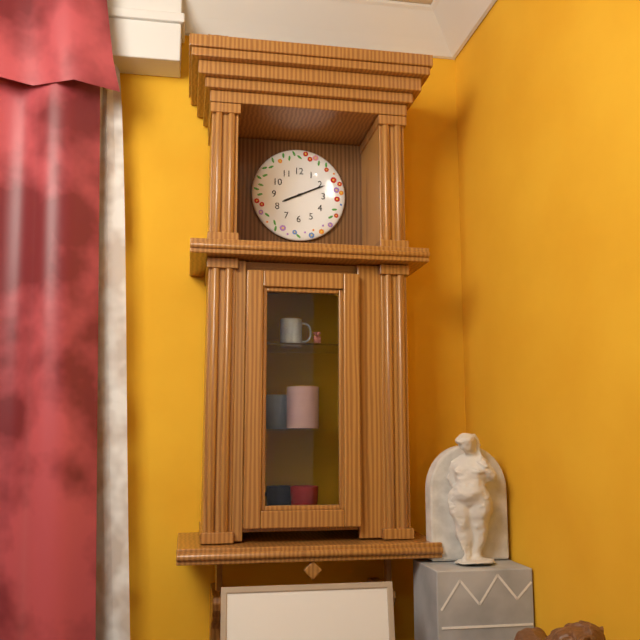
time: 8:11
